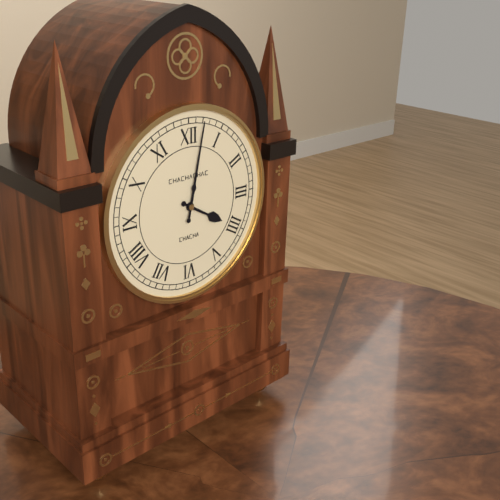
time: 4:02
